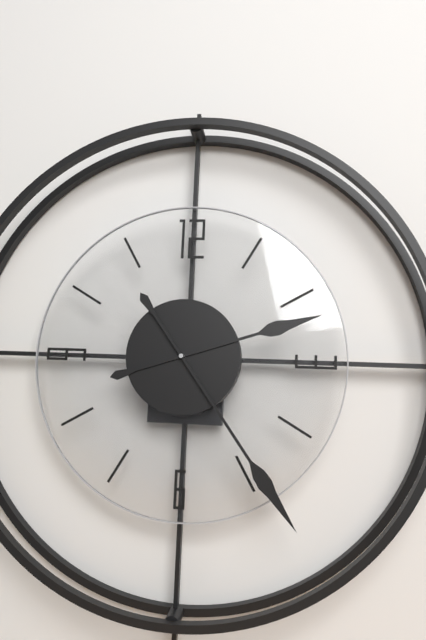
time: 2:24
